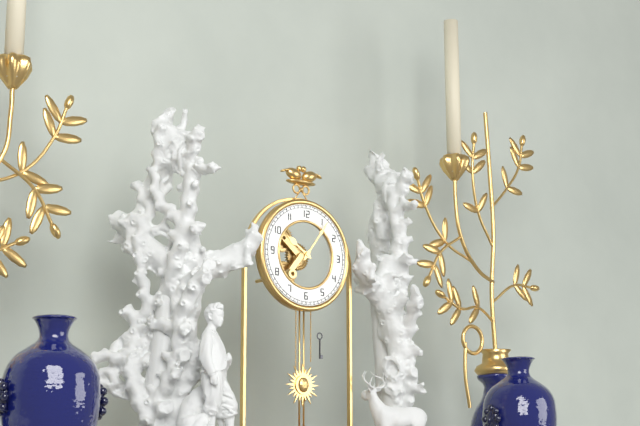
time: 10:06
